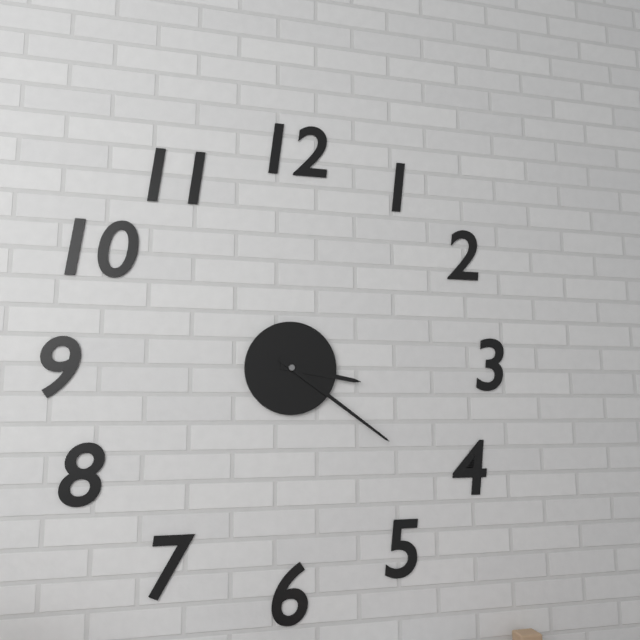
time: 3:21
